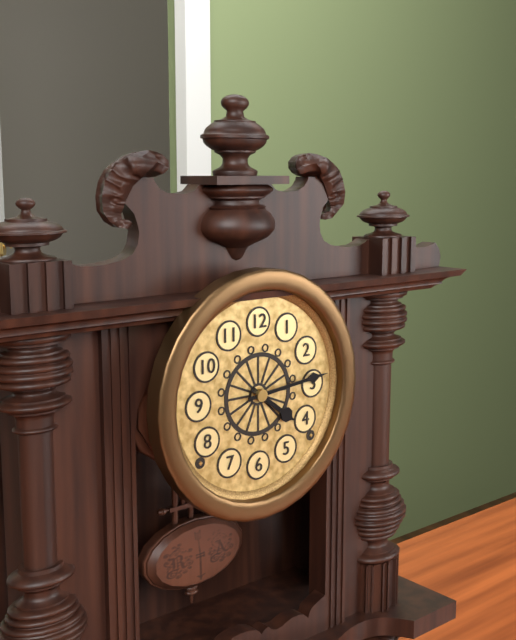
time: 4:14
